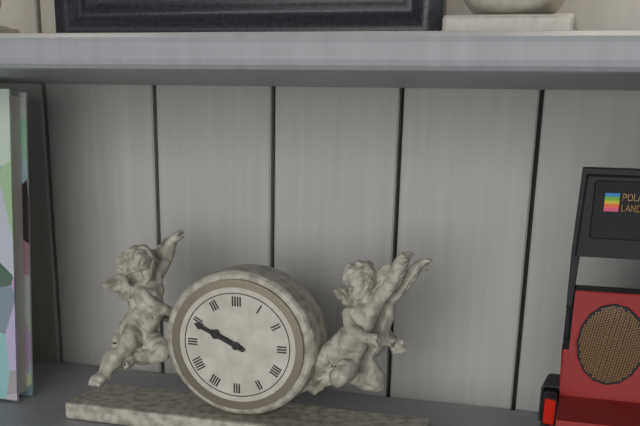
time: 9:49
